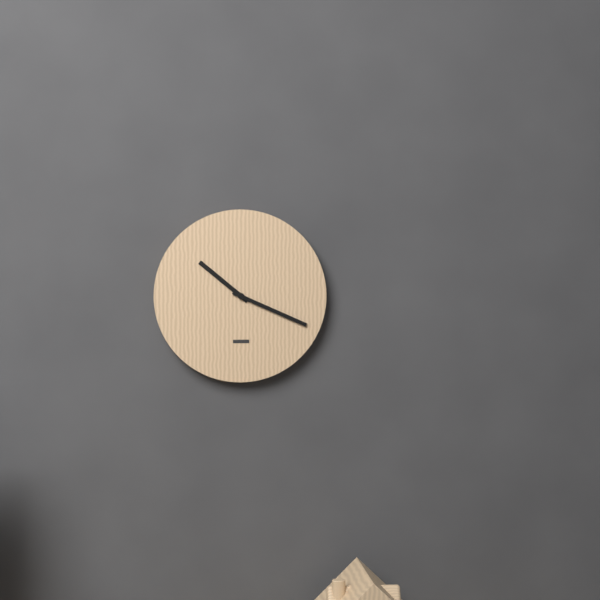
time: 10:19
